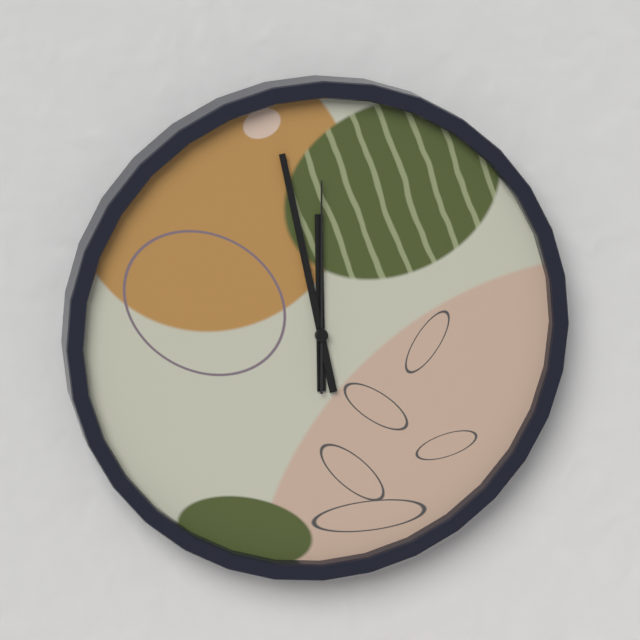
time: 11:58:00
